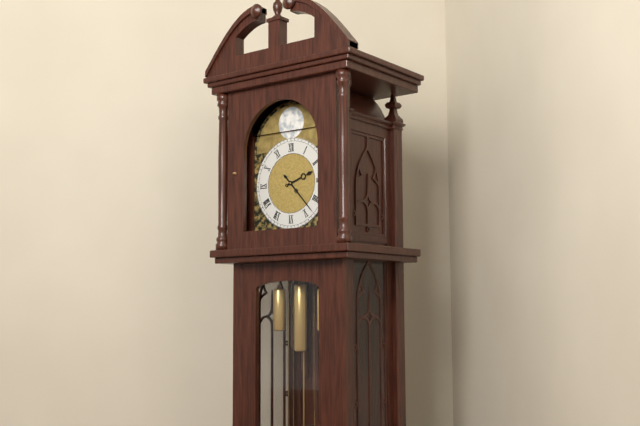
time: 2:23
